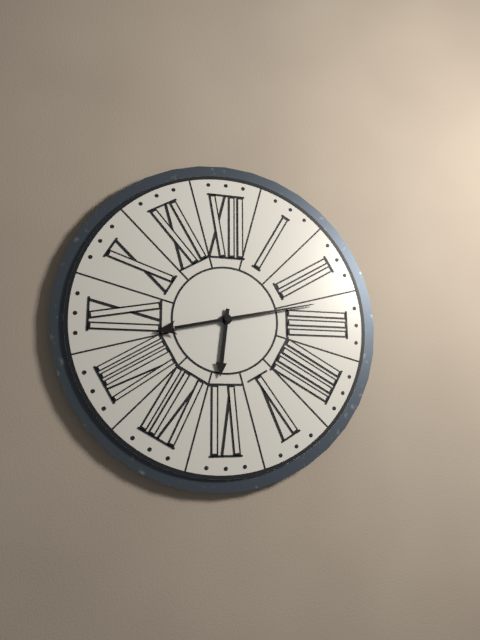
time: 6:13
